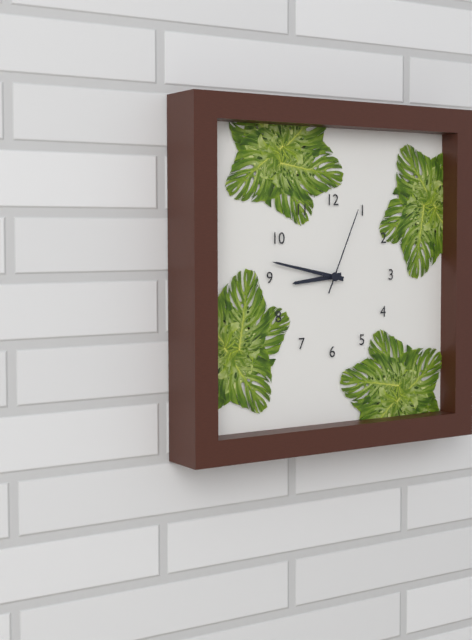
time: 8:47:04
